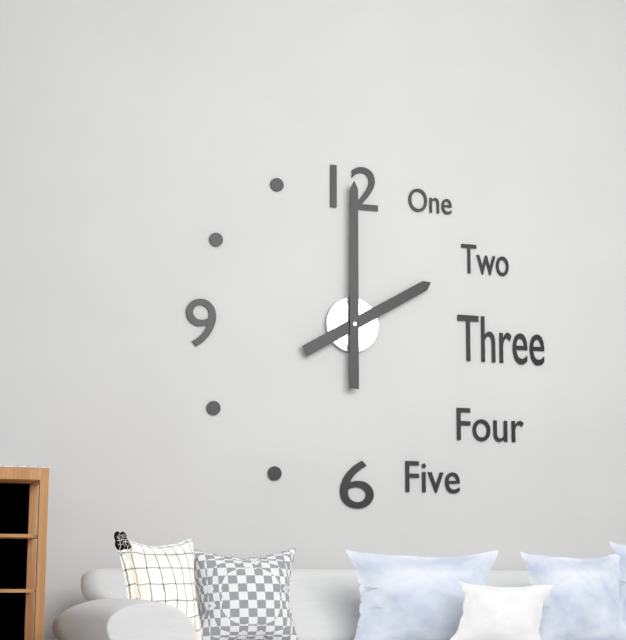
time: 2:00
